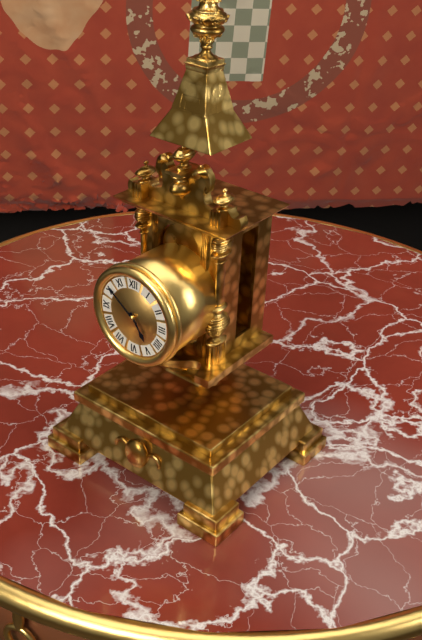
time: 4:51
